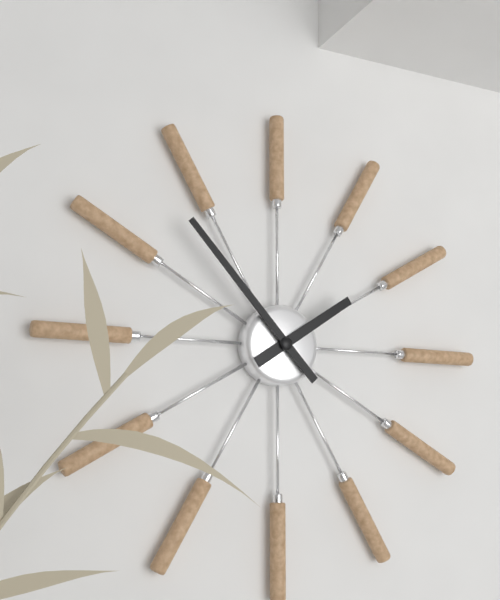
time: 1:53
